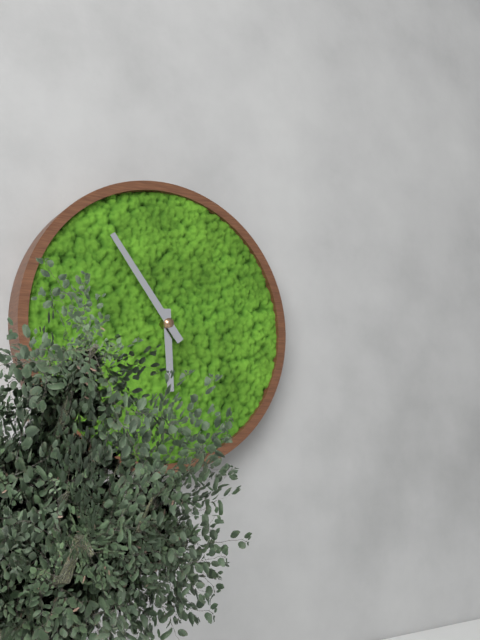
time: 5:54
